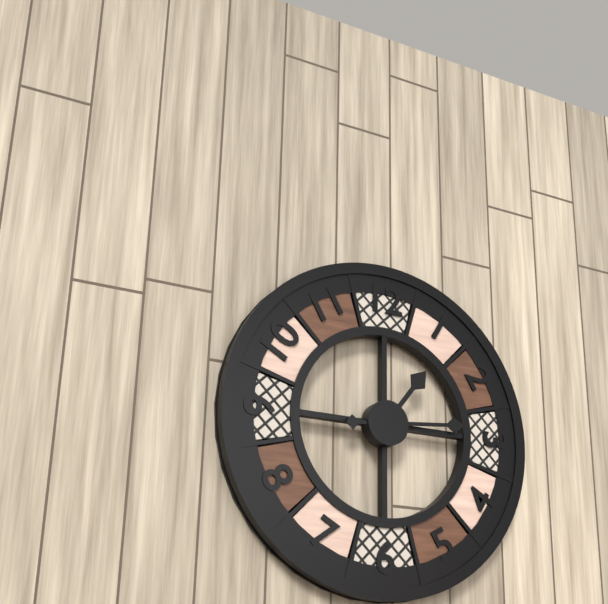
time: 1:14
